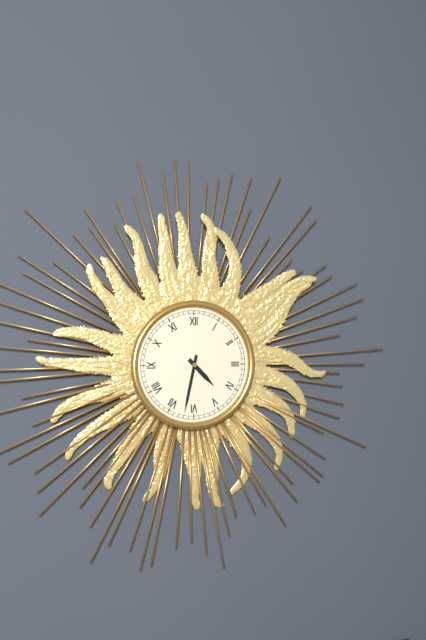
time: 4:32
